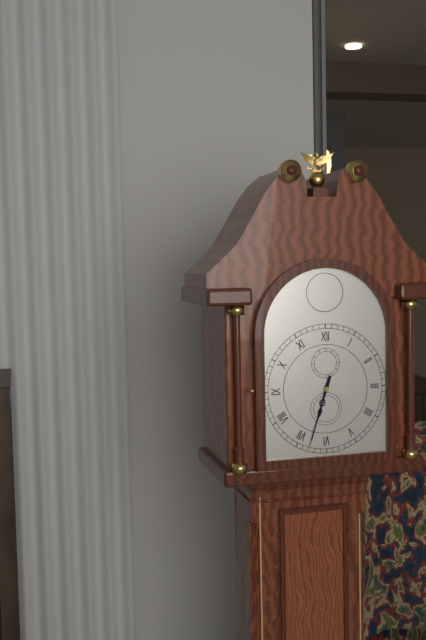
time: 6:33
